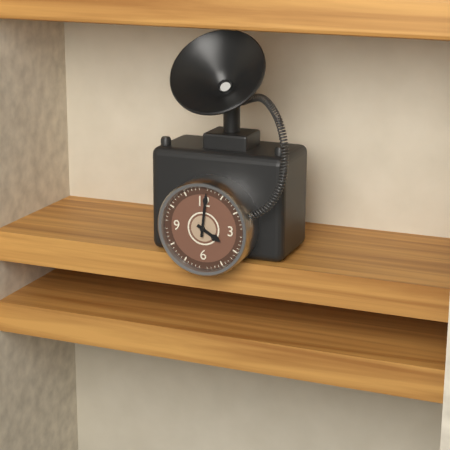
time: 4:01
